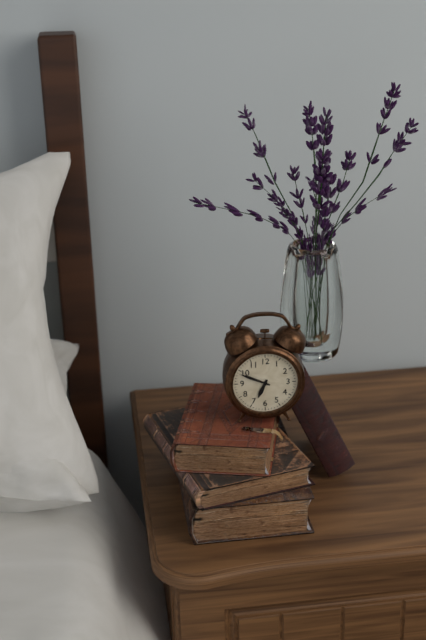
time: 6:49
